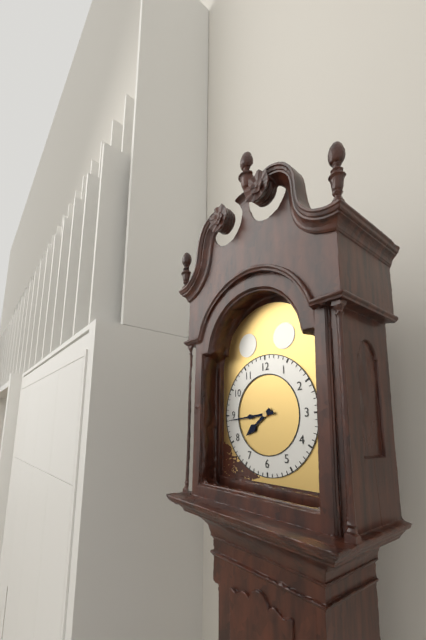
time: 7:44
